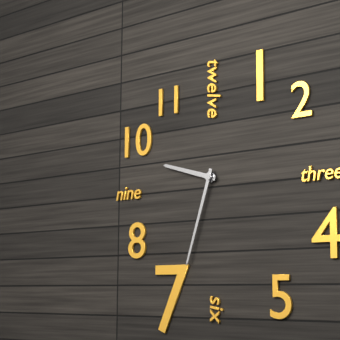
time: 9:33
